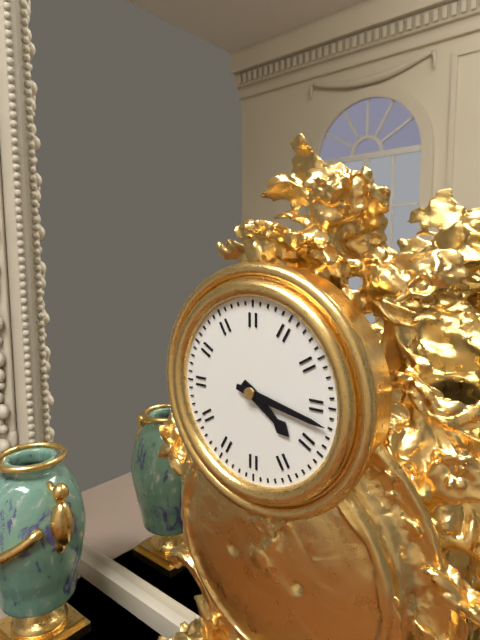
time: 4:17
